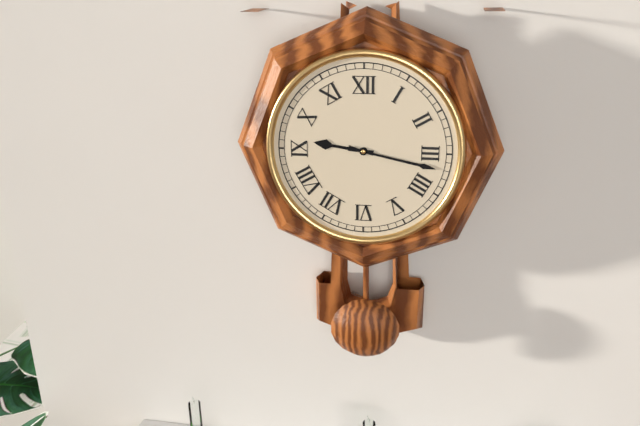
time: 9:17
